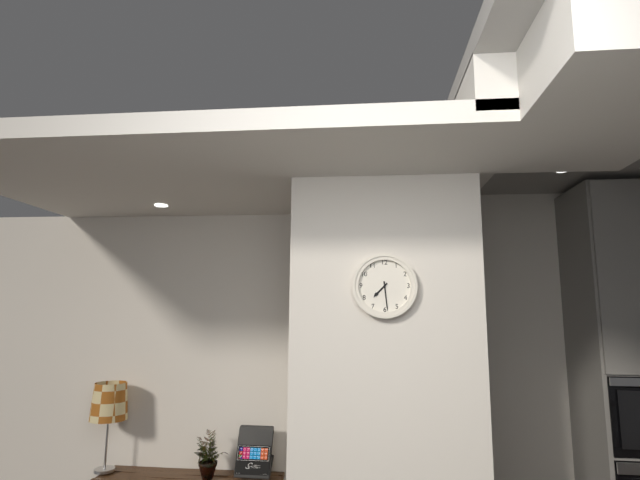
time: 7:29
